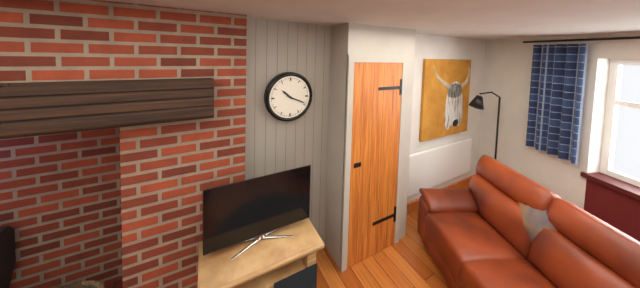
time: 10:19
